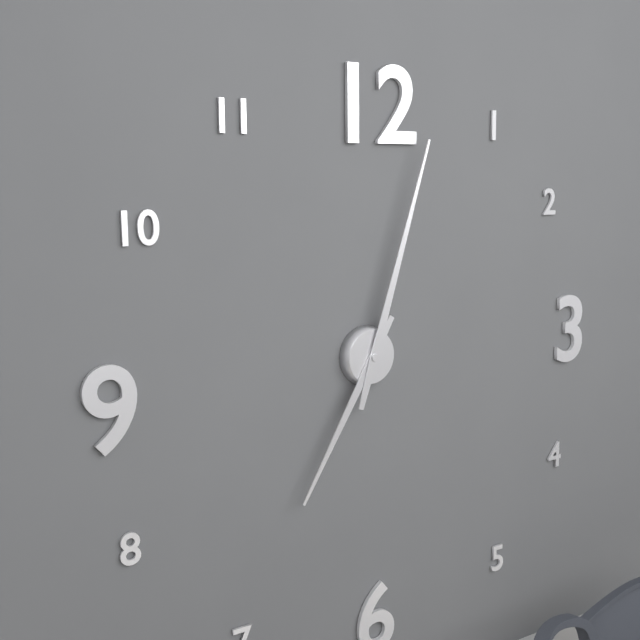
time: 7:03
